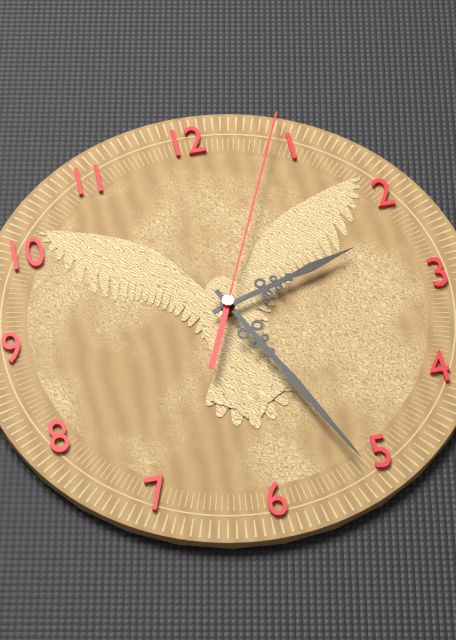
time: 2:26:04
